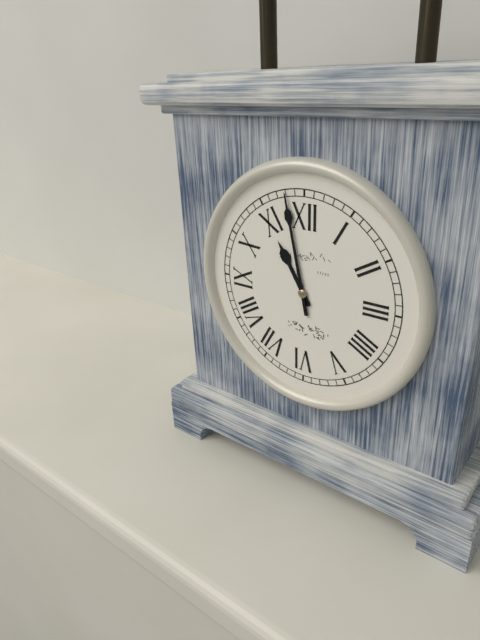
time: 10:58
